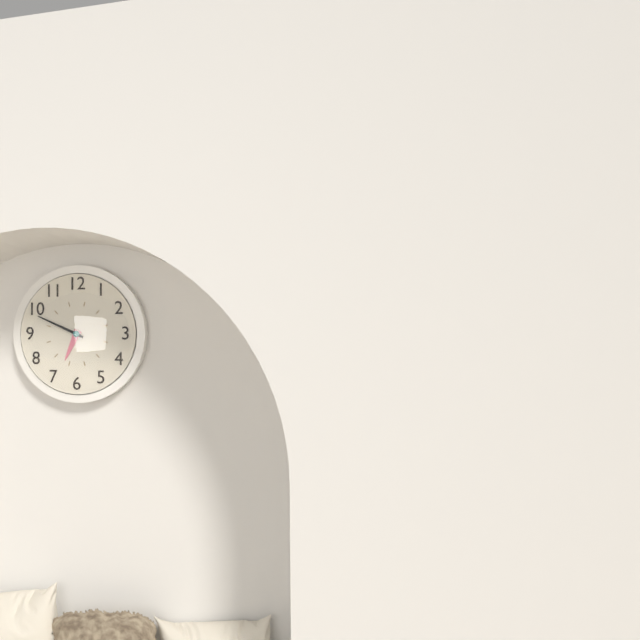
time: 6:49
